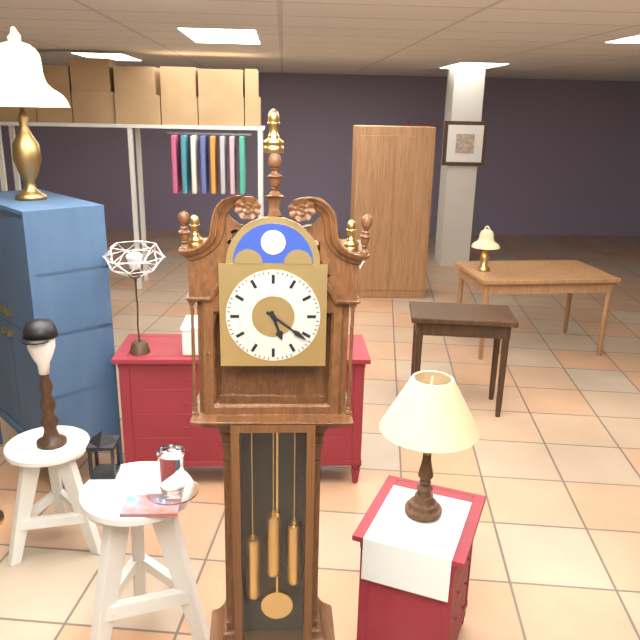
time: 5:21
